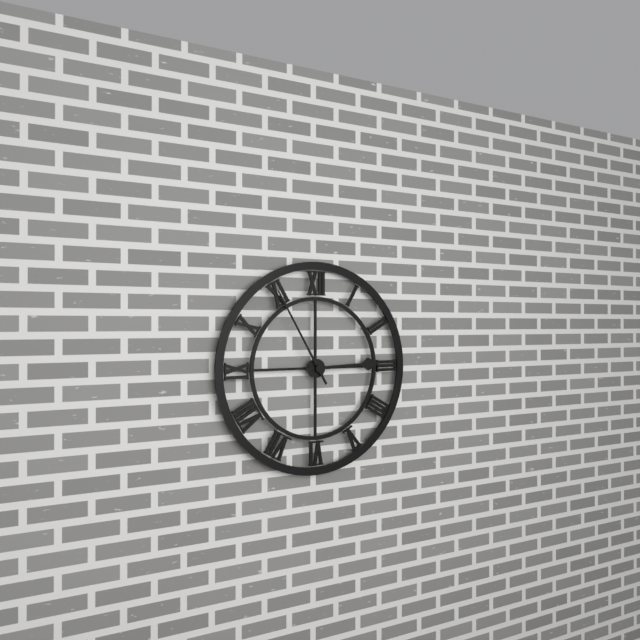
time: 2:55
